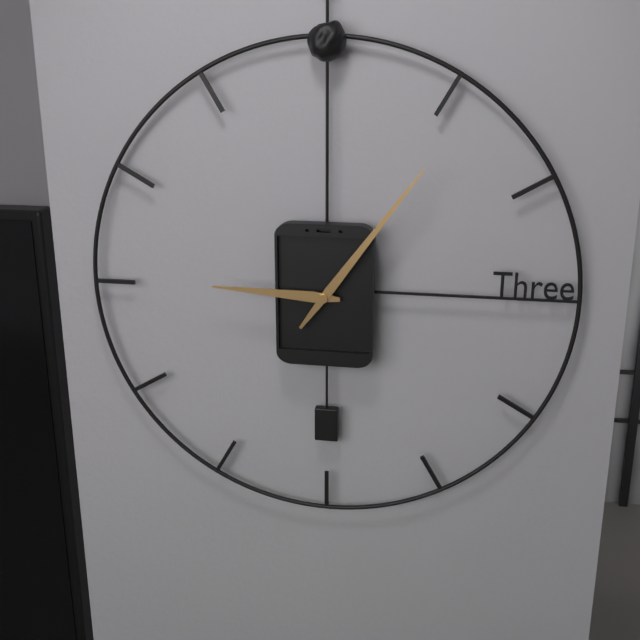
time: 9:06
